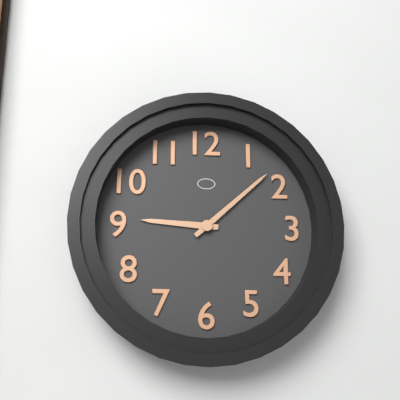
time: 9:08
